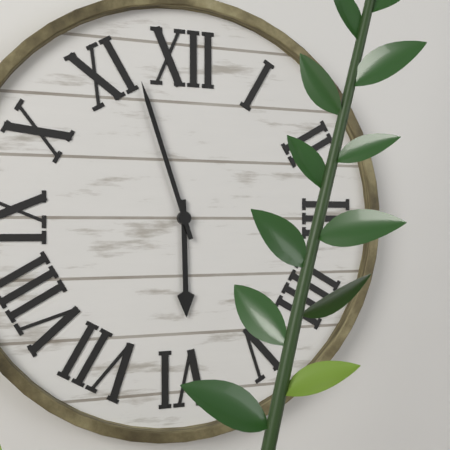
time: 5:57
